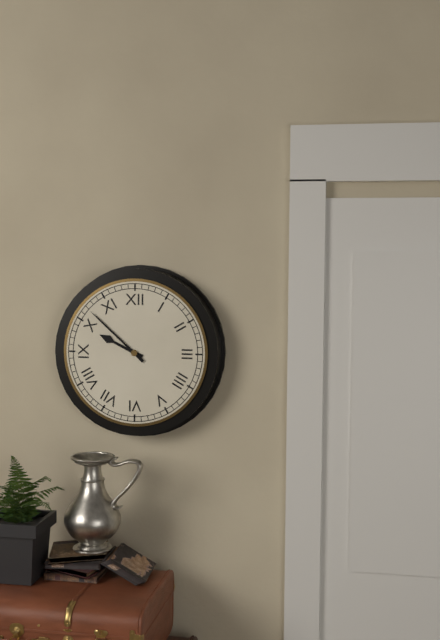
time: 9:52
